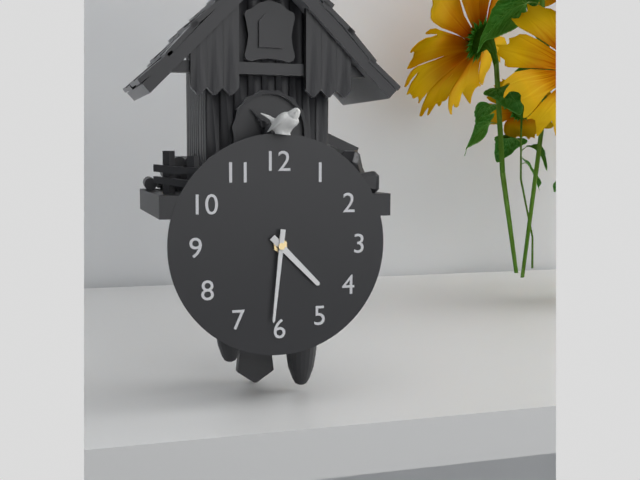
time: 4:31
